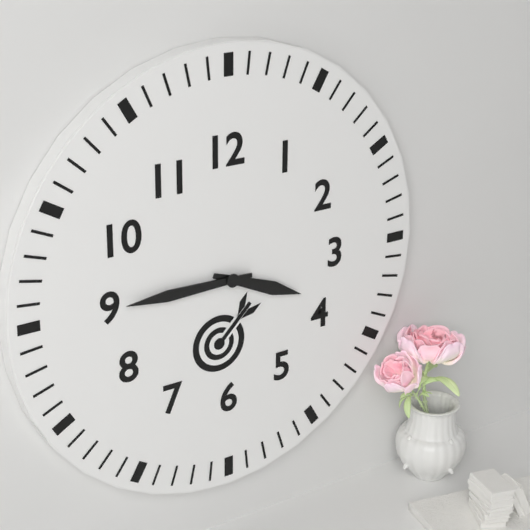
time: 3:45
